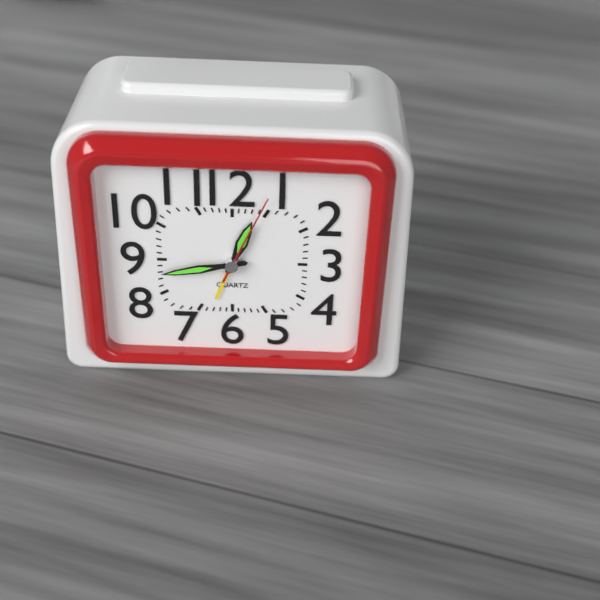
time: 12:43:04
